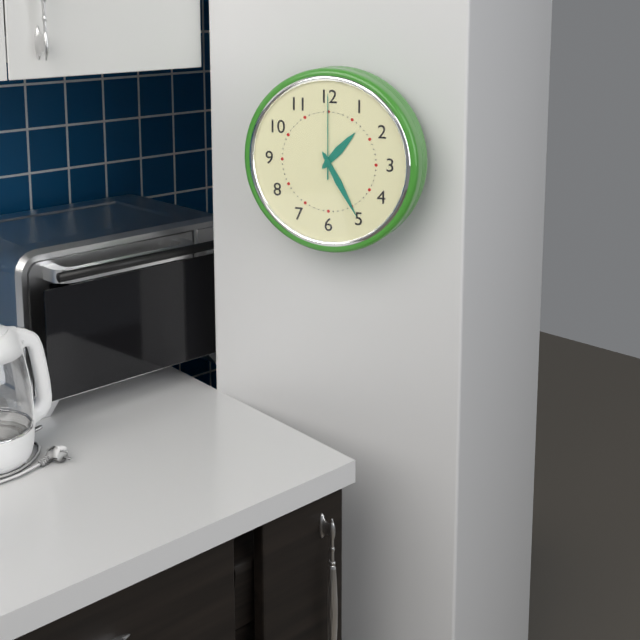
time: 1:25:00
